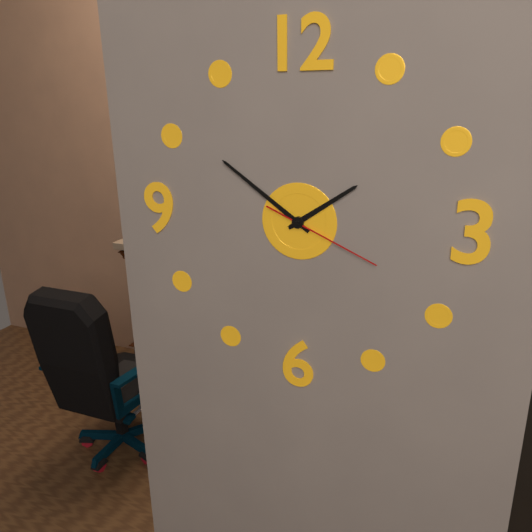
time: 1:51:19
